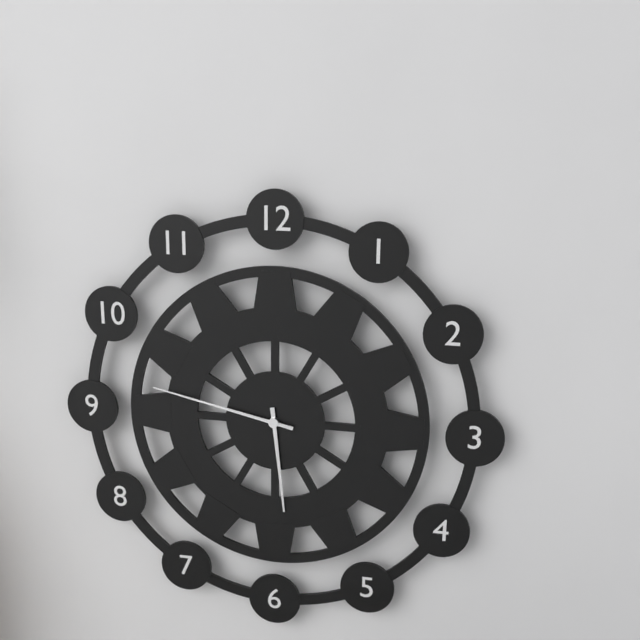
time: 5:47
